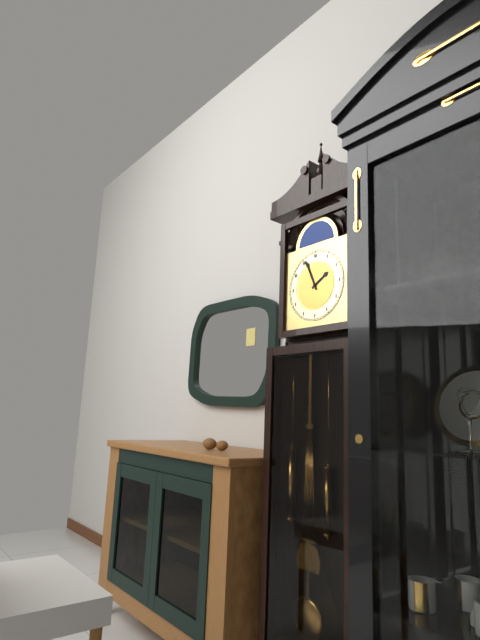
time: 1:56
